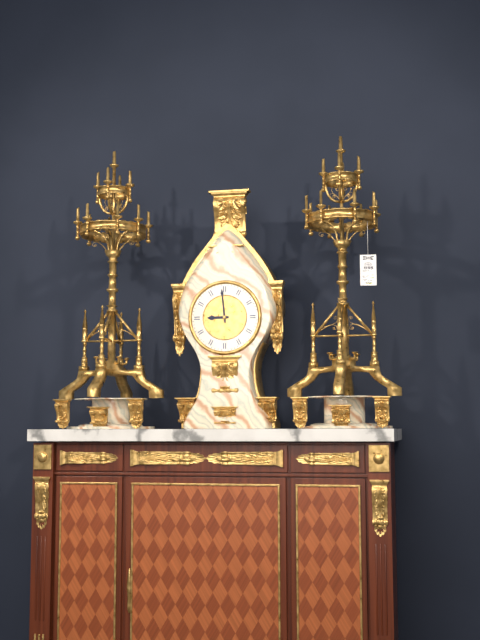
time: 8:59
